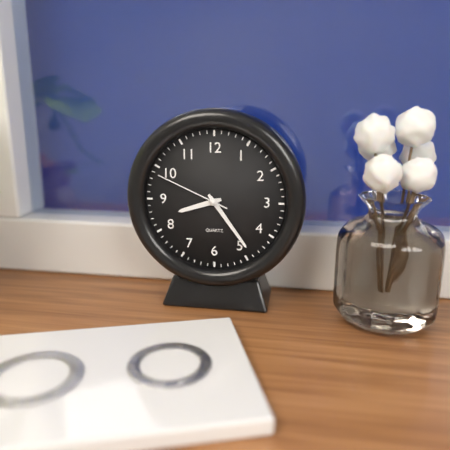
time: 8:24:49
